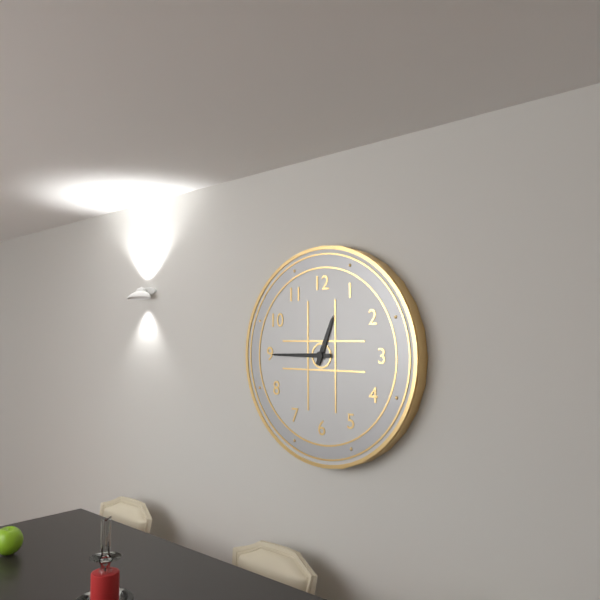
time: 12:45
